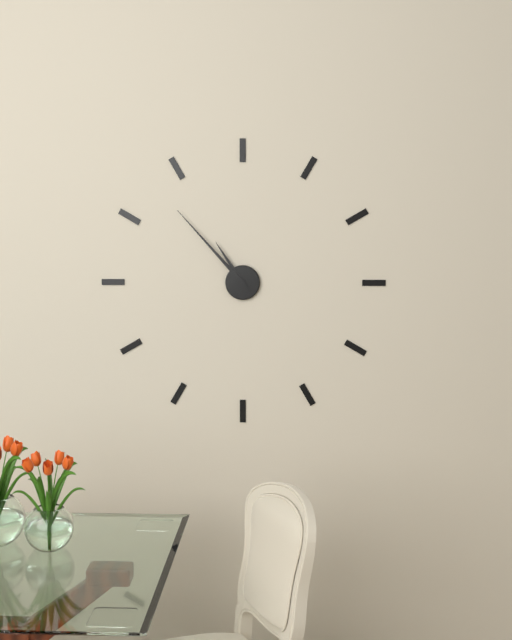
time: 10:53
